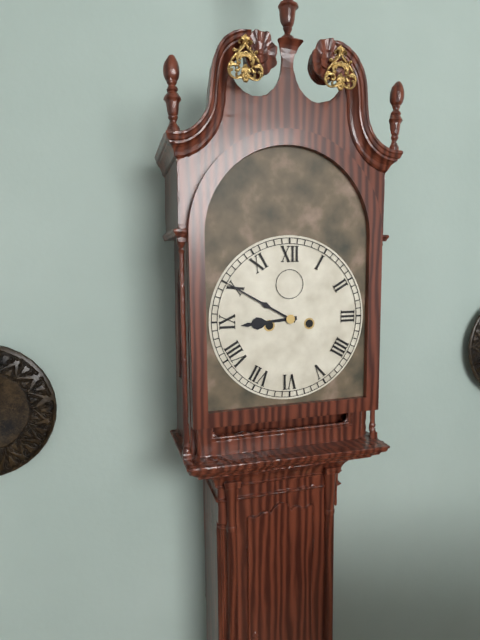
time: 8:50
